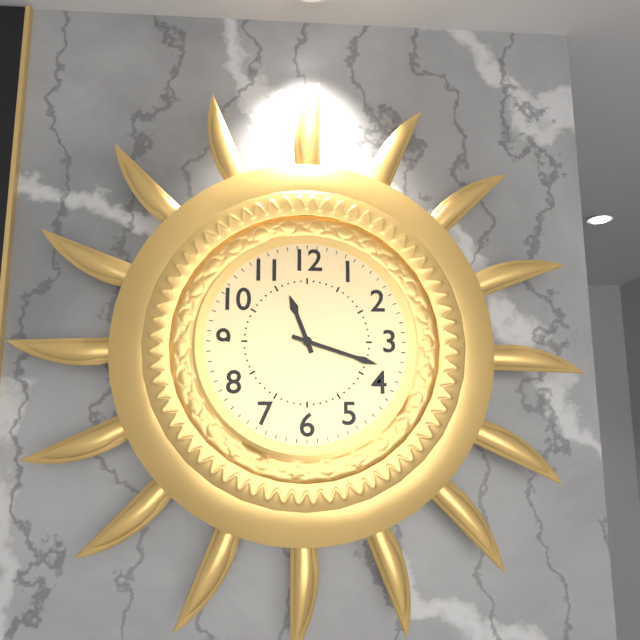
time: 11:18
